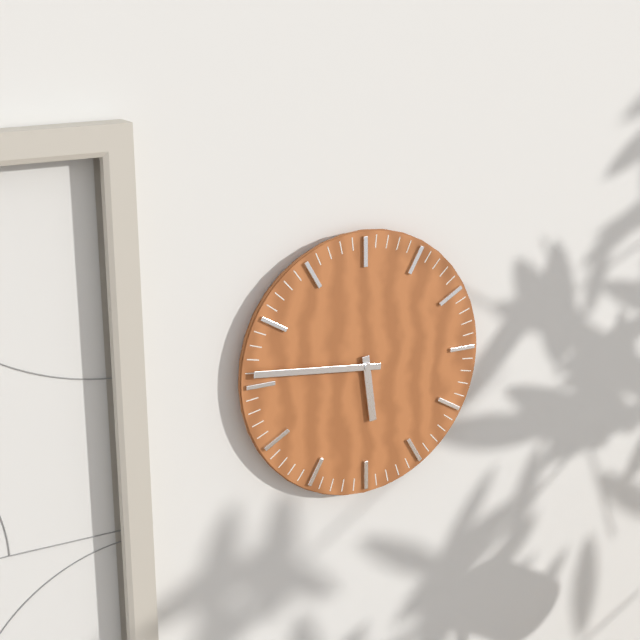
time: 5:46
